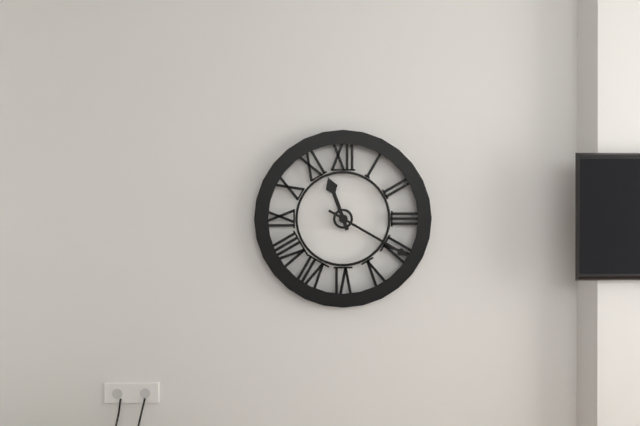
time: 11:20
